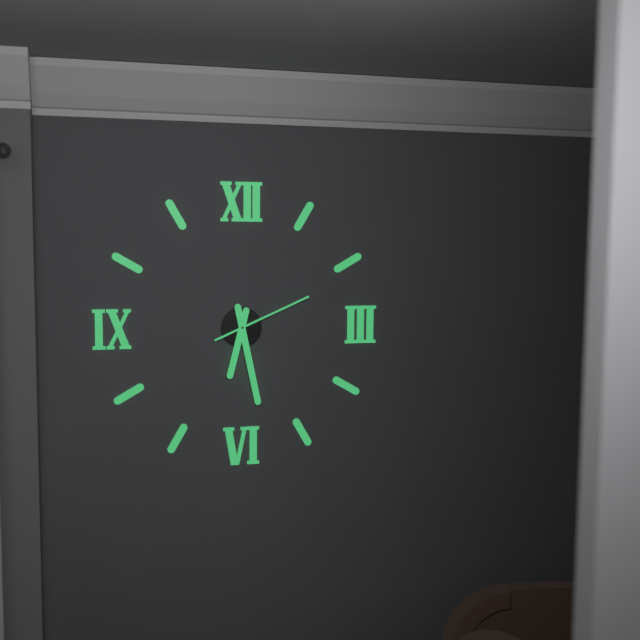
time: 6:28:11
